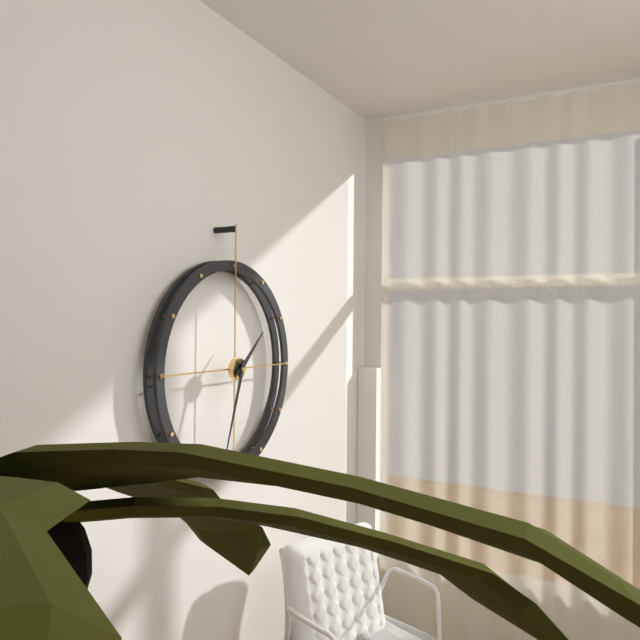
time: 1:33
